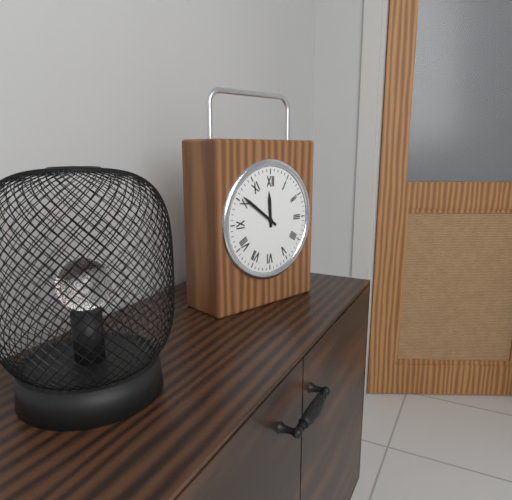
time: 11:51
